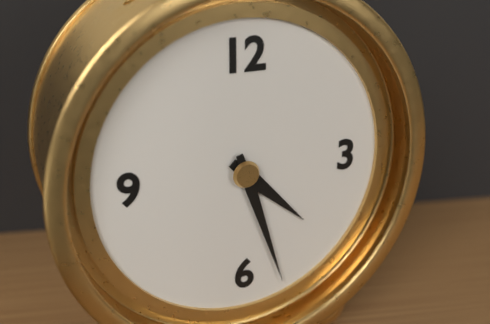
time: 4:27
